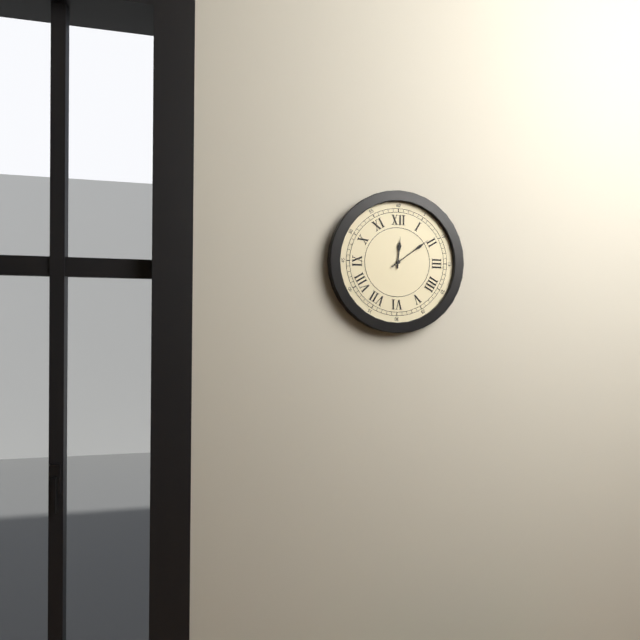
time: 12:09
